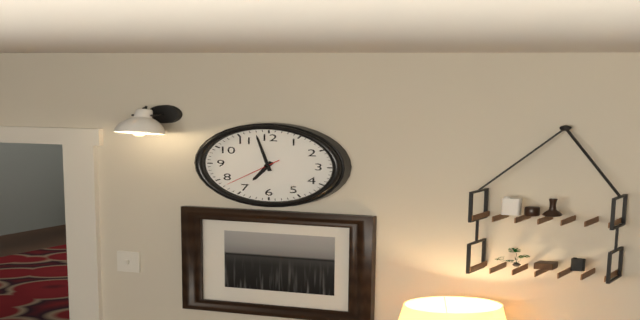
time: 6:58:38
